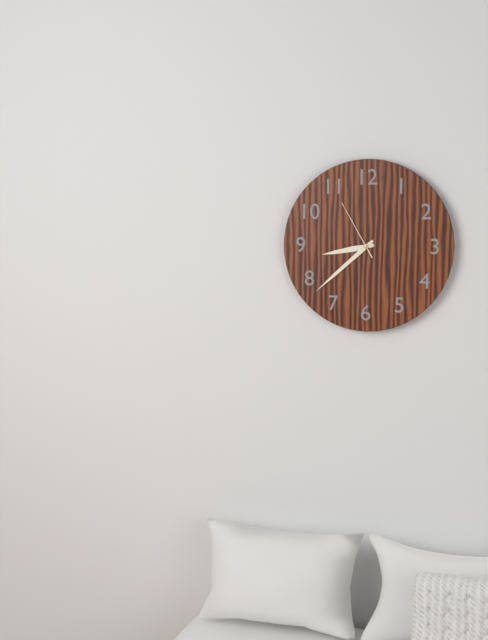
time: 8:38:55
